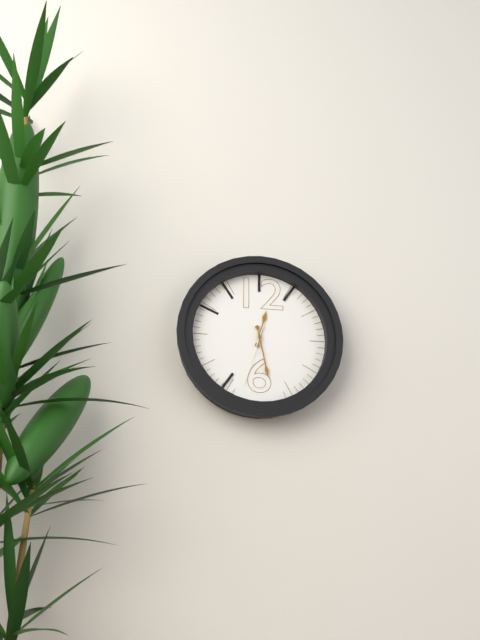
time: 12:28:33
